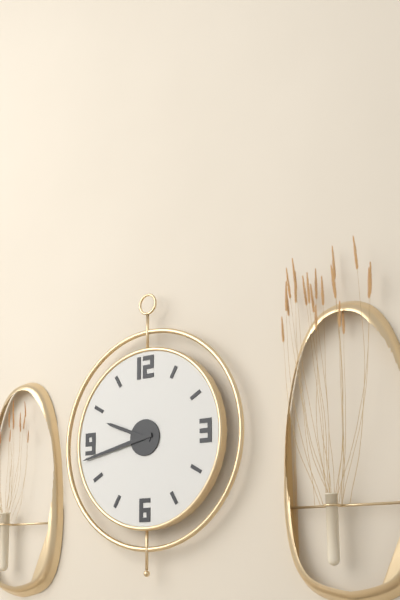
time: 9:43
